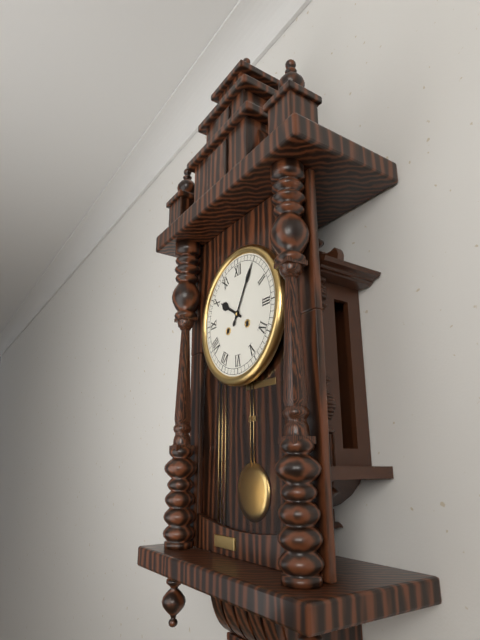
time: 10:05
